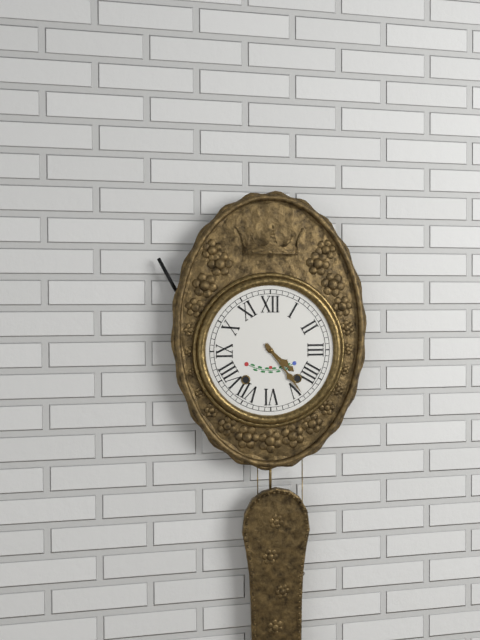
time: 4:24
